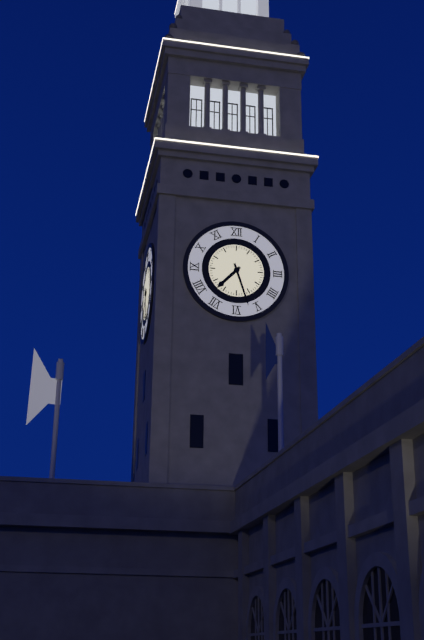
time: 7:27
